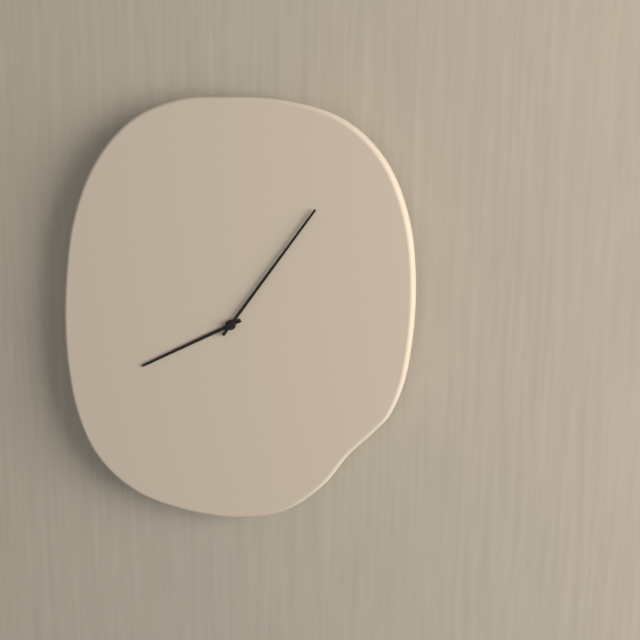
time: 8:06
